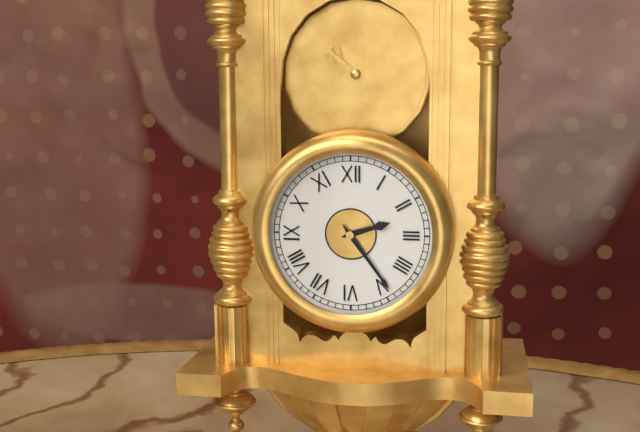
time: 2:24
